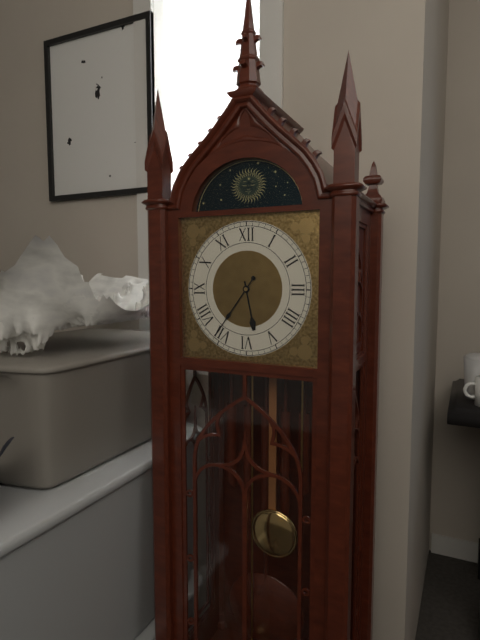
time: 5:36
